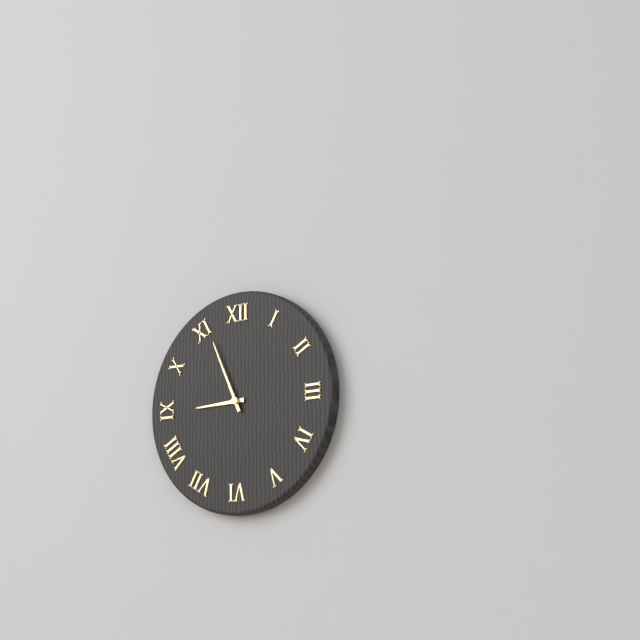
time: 8:56
